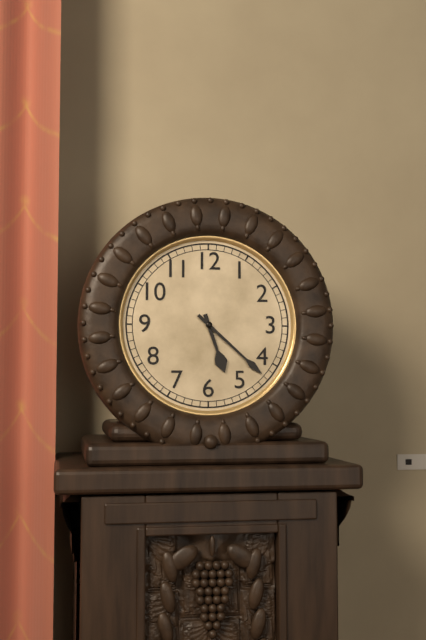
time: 5:22
